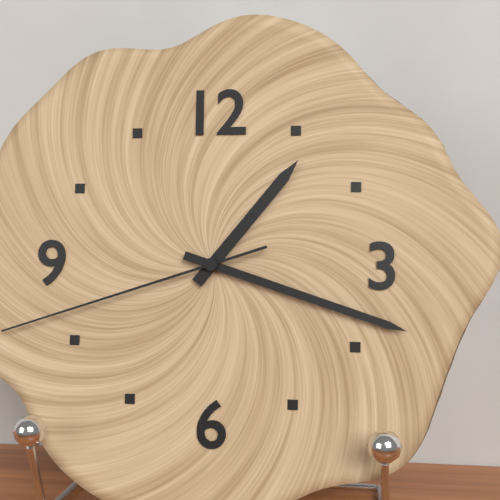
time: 1:18:42
